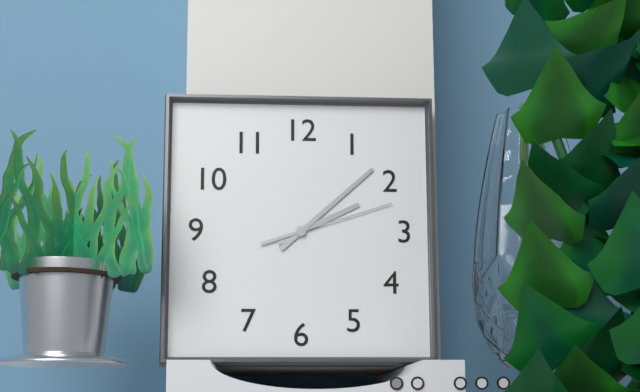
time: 2:08:12
